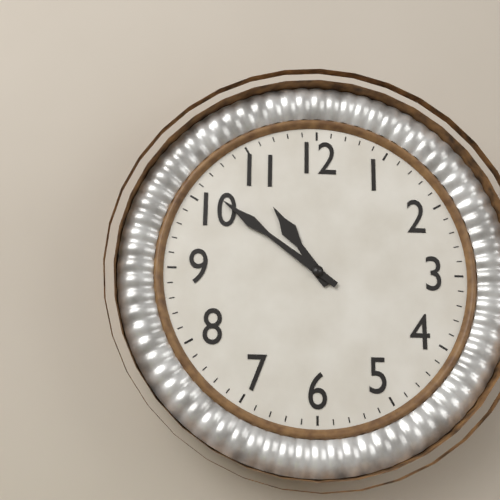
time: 10:51
